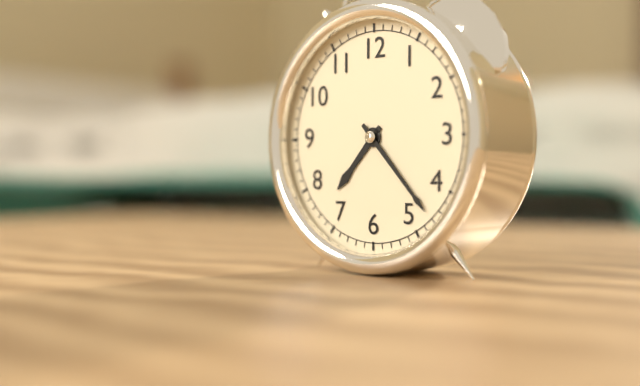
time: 7:23
